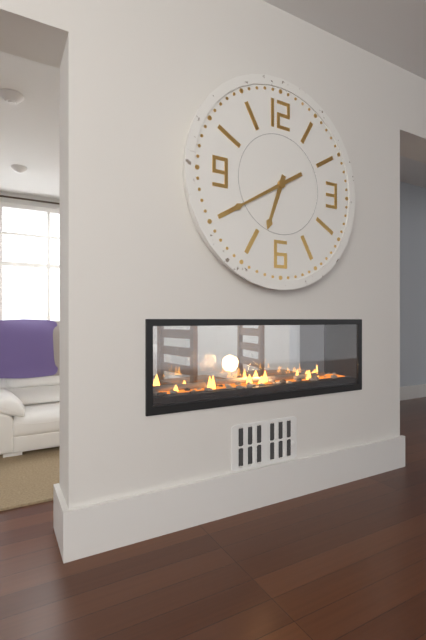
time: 6:40
